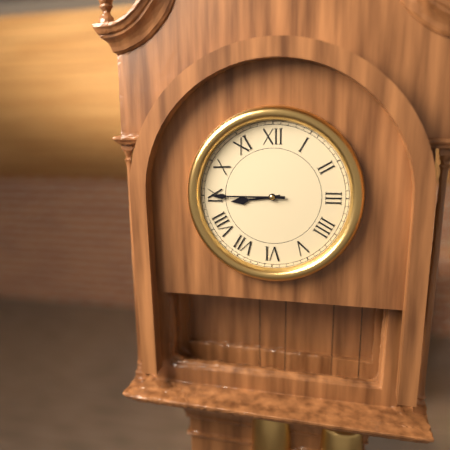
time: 8:45
